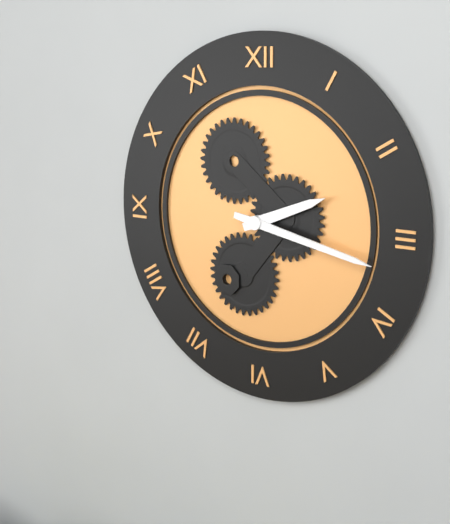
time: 2:17
